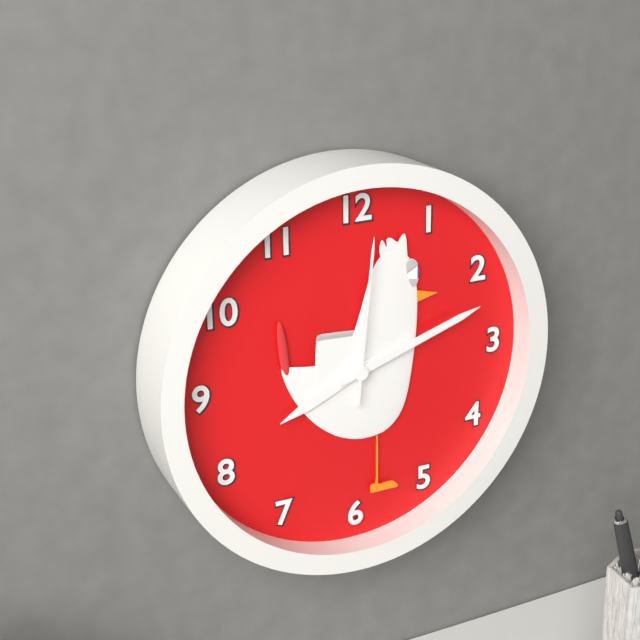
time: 8:12:01
